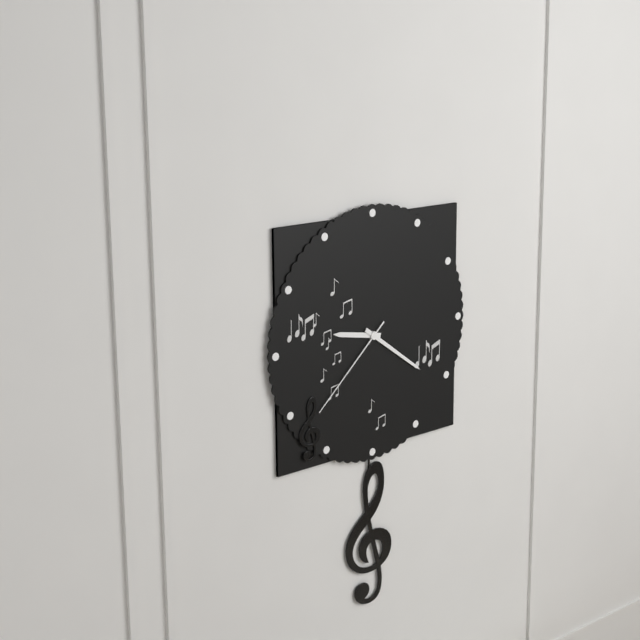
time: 9:21:38
